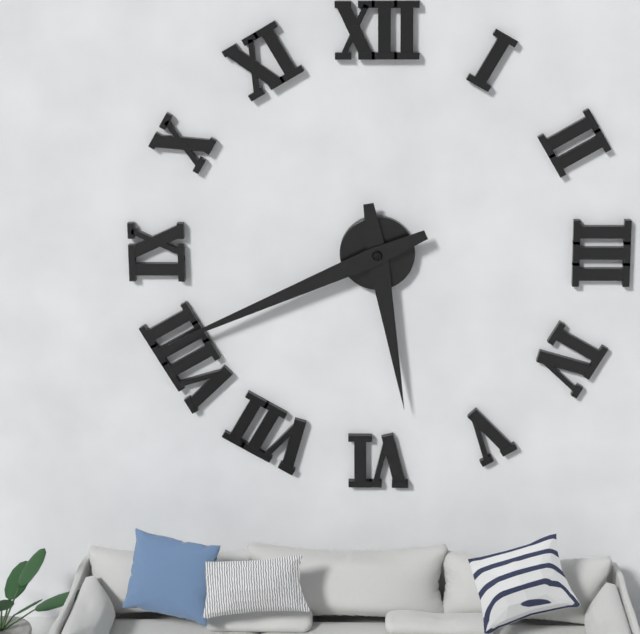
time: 5:41
